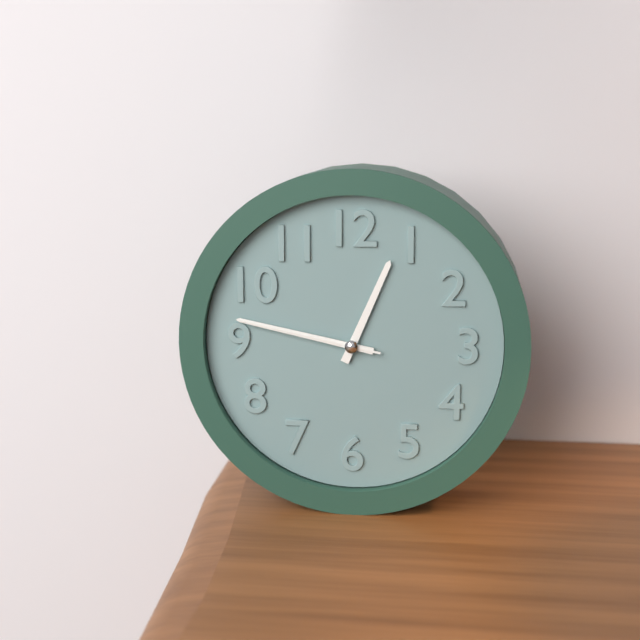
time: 12:47:47
